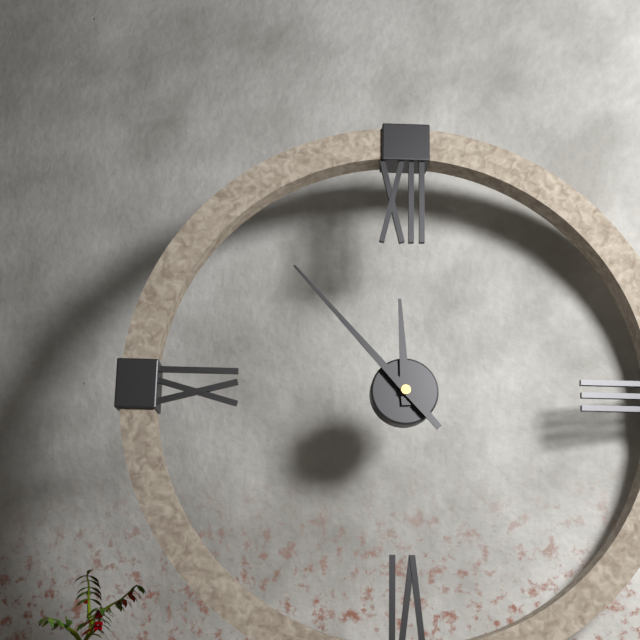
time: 11:53
